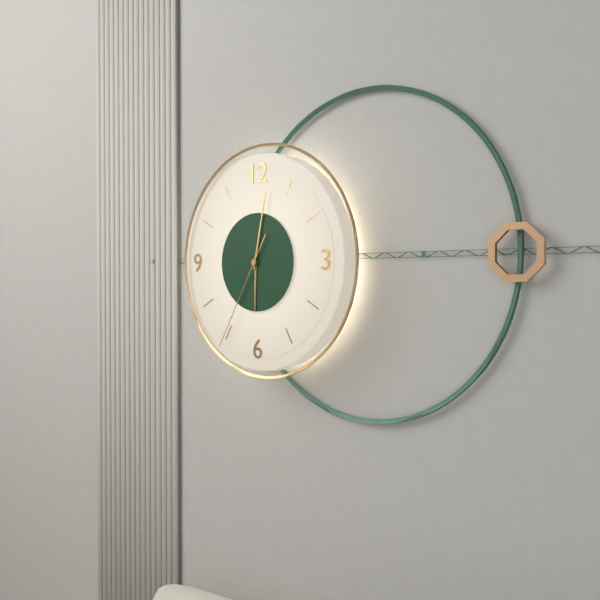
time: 6:02:35
